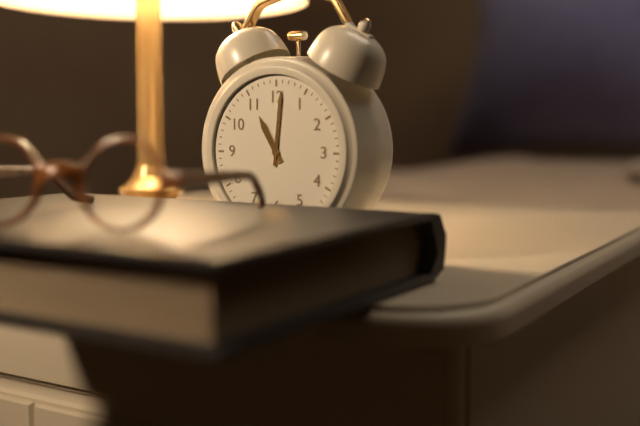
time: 11:01
